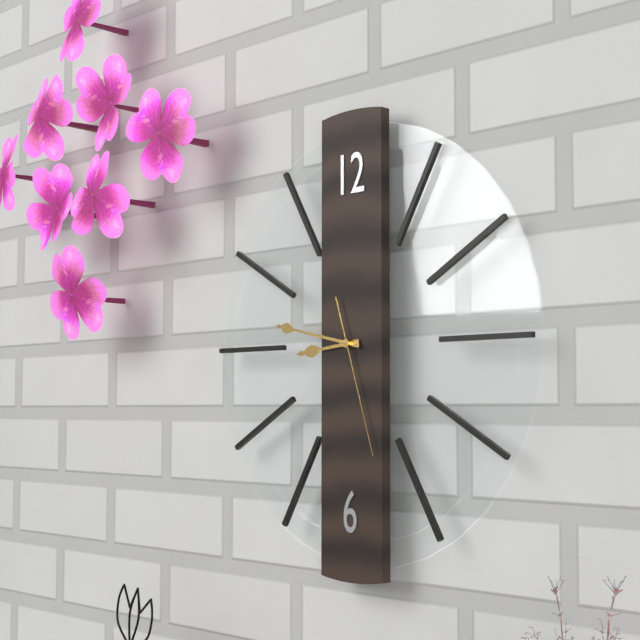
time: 8:47:27
